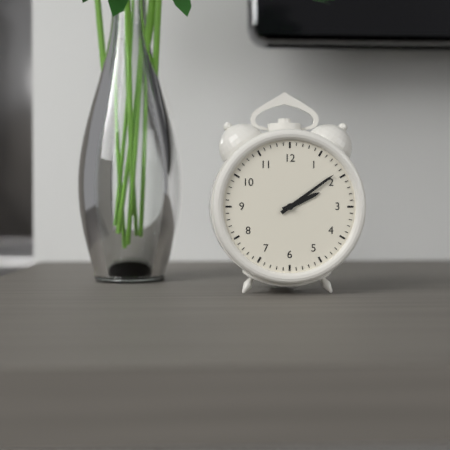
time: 2:09
